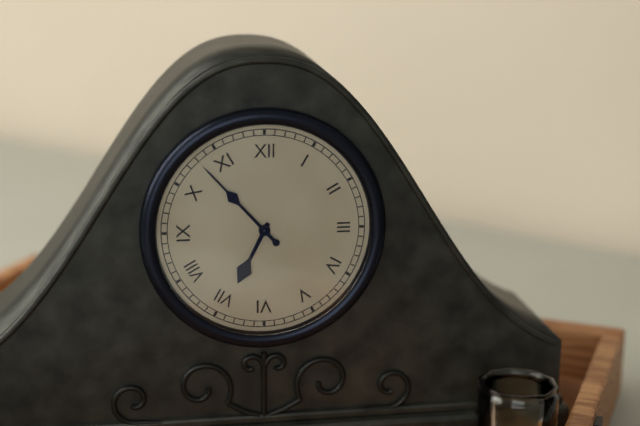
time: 6:53
